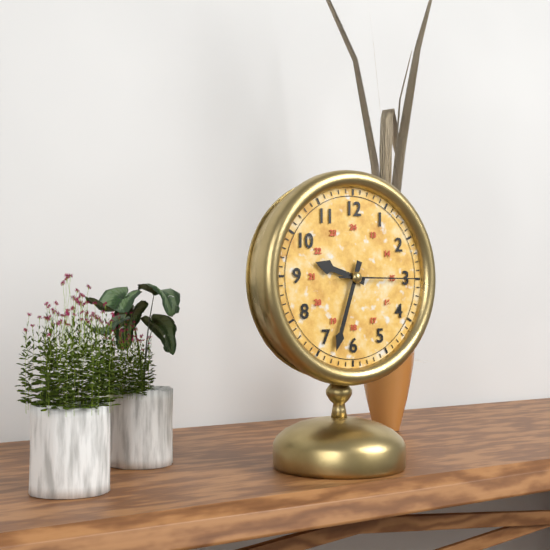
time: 9:33:15
